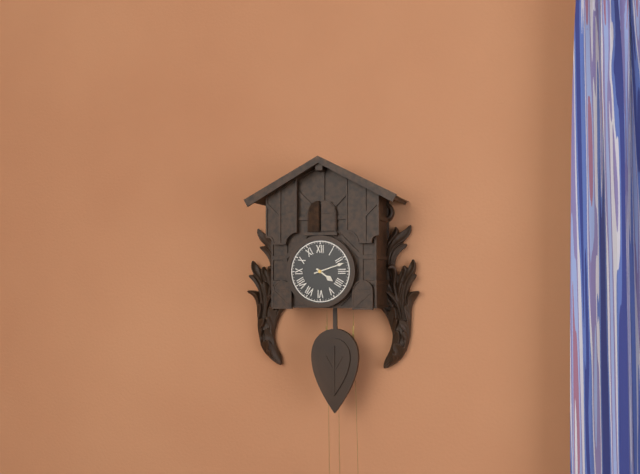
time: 4:12
